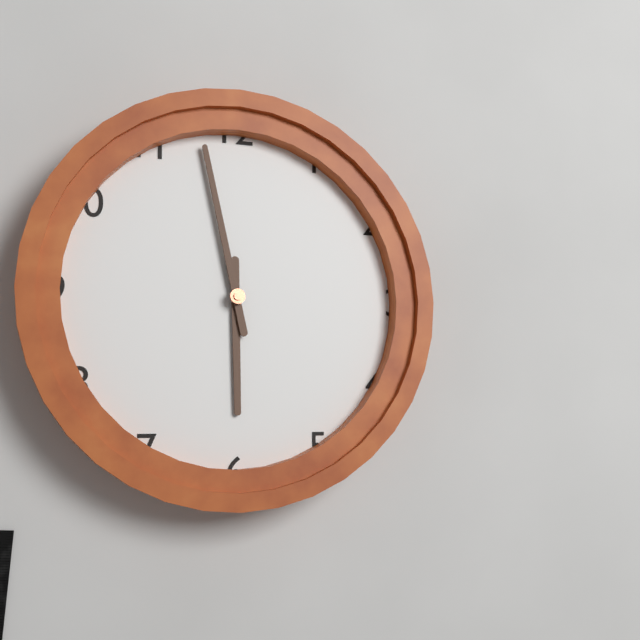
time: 5:58
